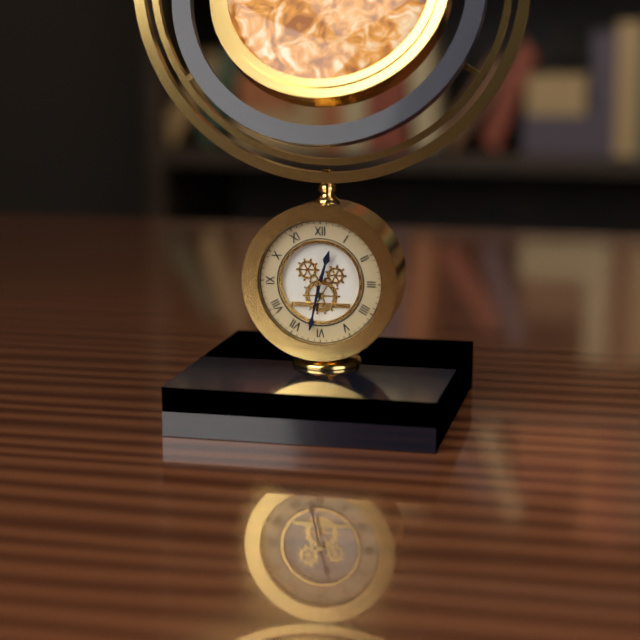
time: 12:32
